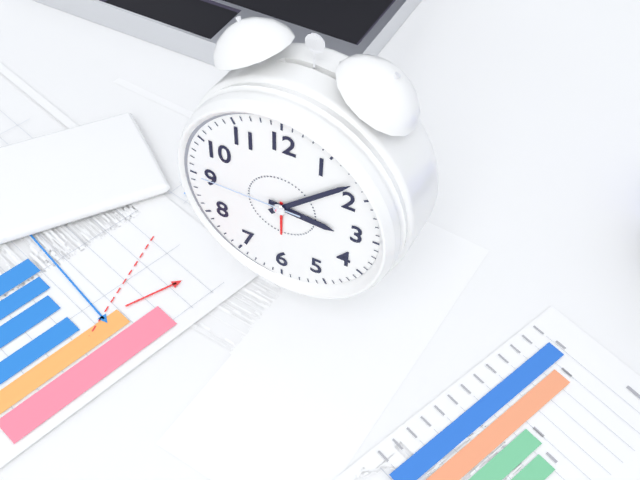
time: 3:08:45
